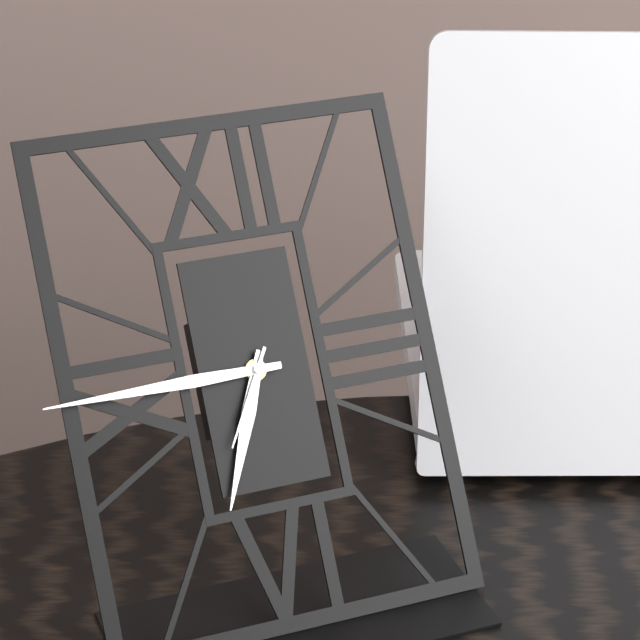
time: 6:45:35
